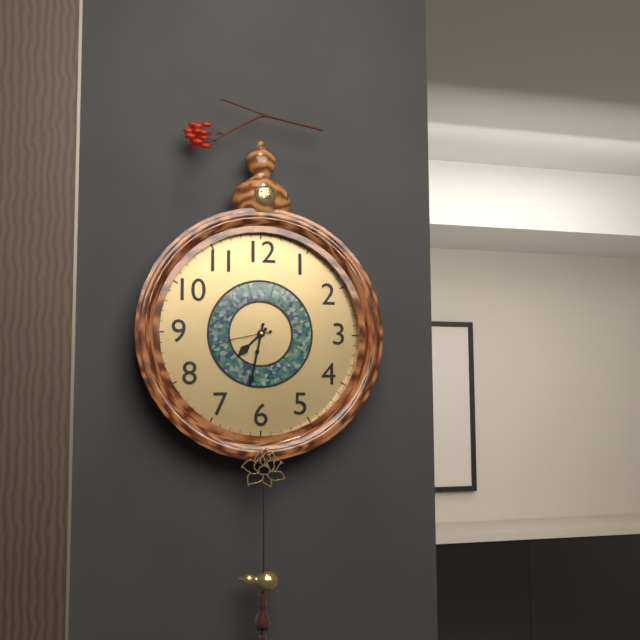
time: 7:32
